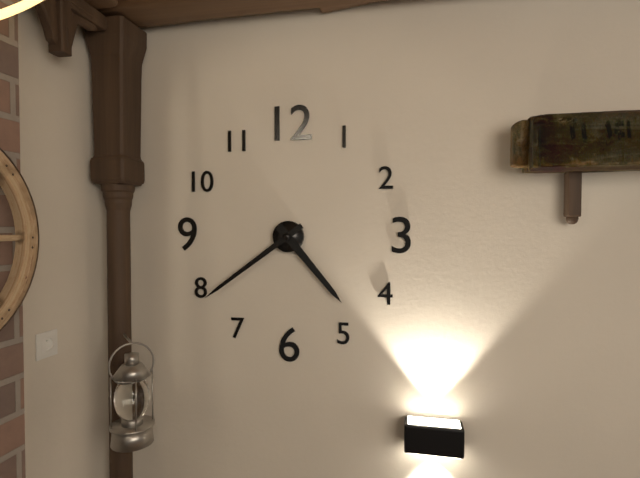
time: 4:39
